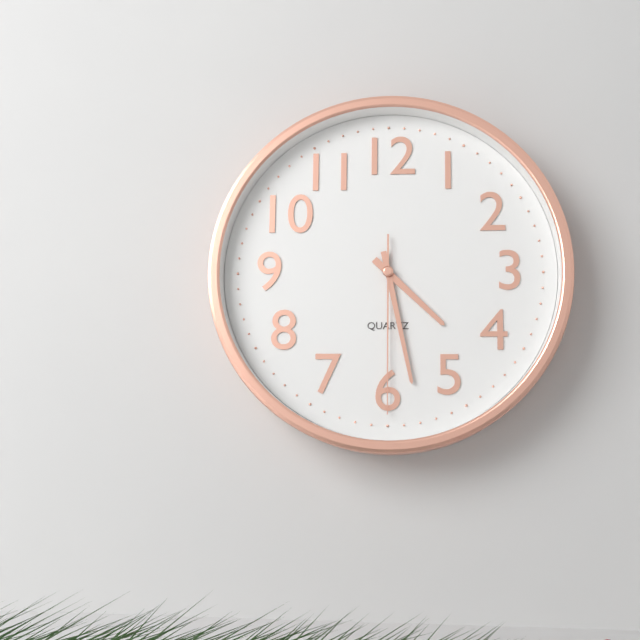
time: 4:28:30
